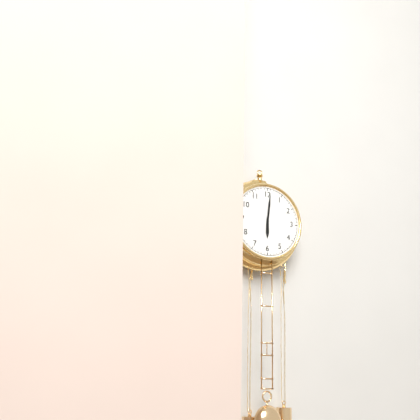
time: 6:01
